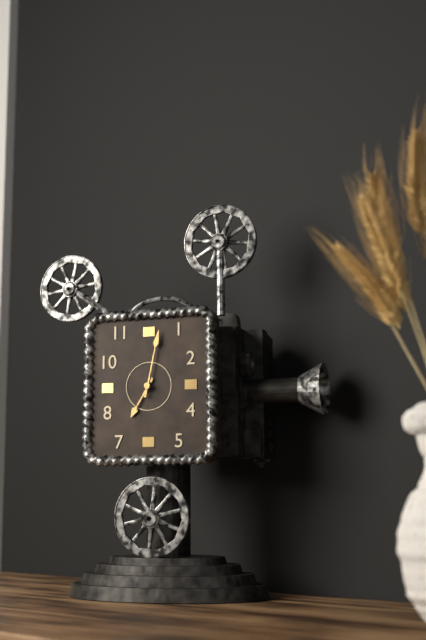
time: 7:02
